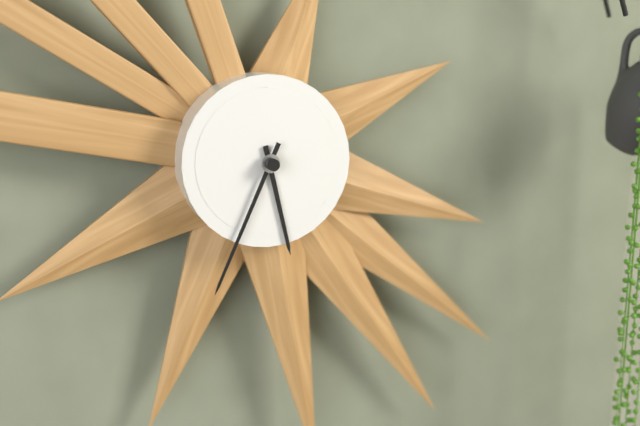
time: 5:34
